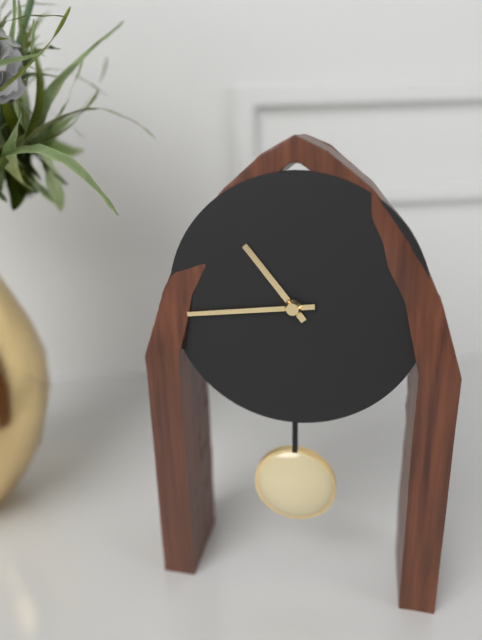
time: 10:44
